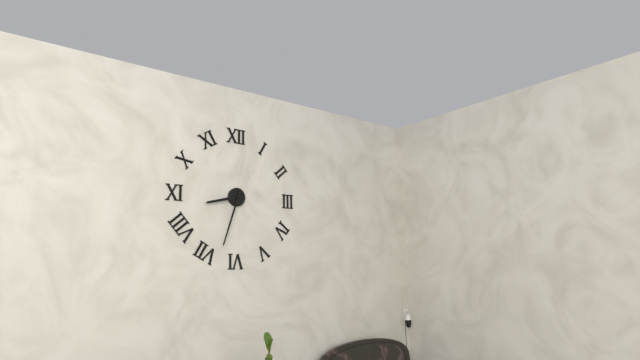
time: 8:33
